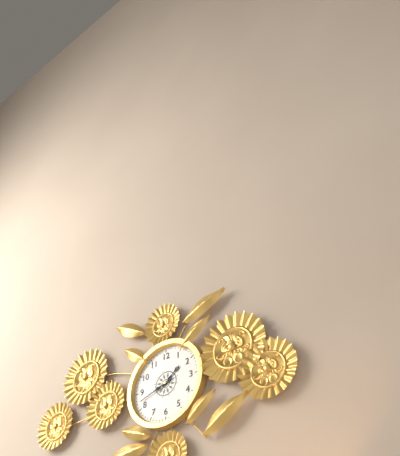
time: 1:42
